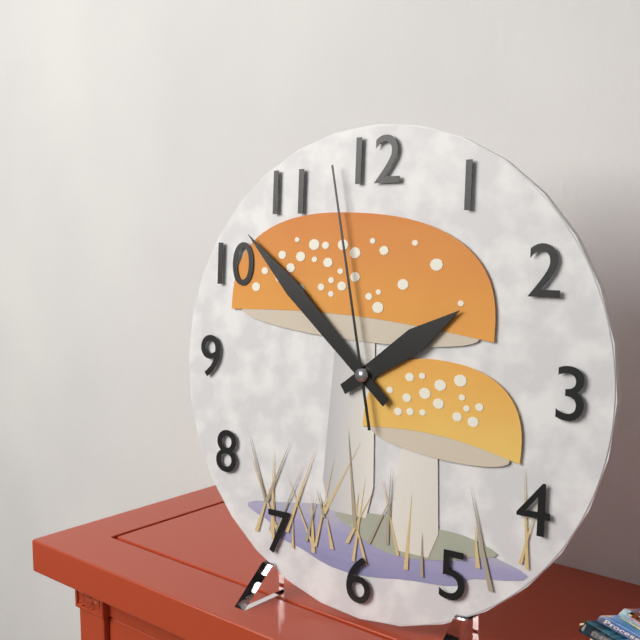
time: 1:52:58
